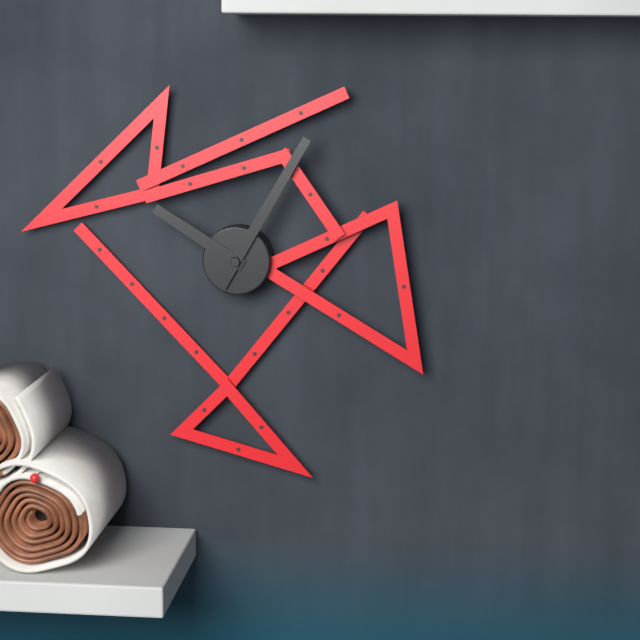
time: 10:05
